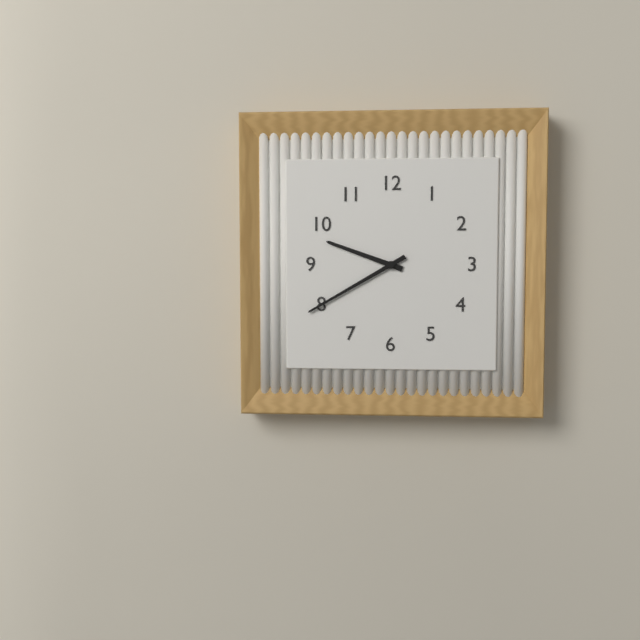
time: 9:40
